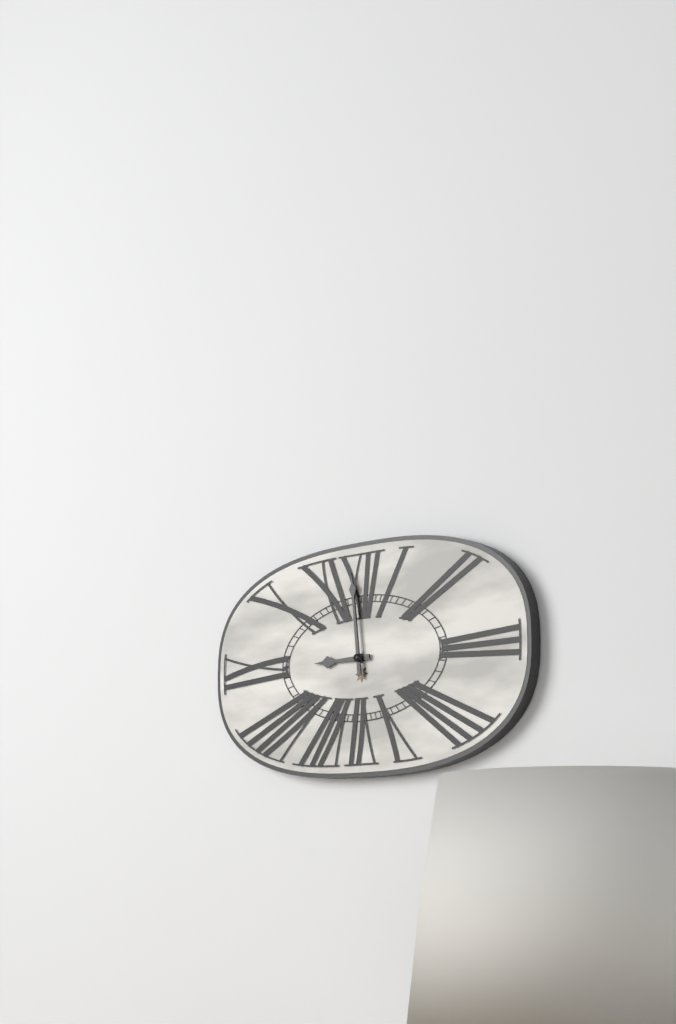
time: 8:59
